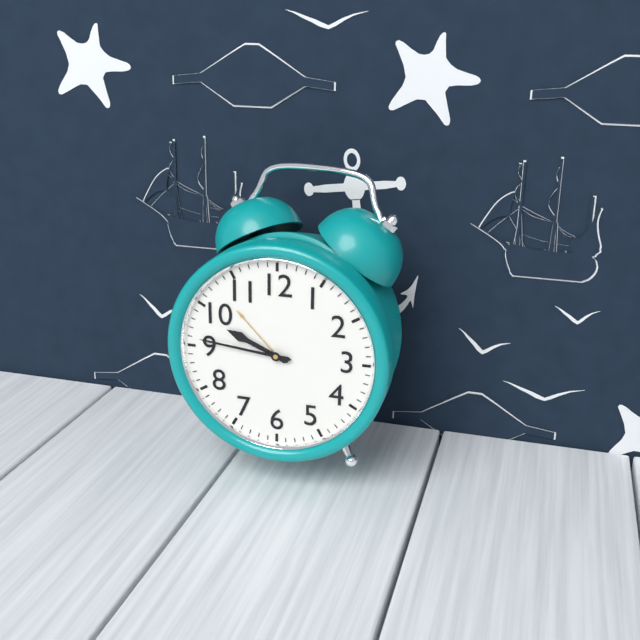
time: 9:46
